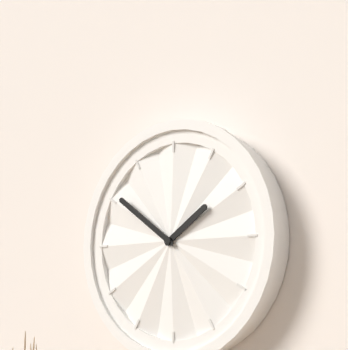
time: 1:51
